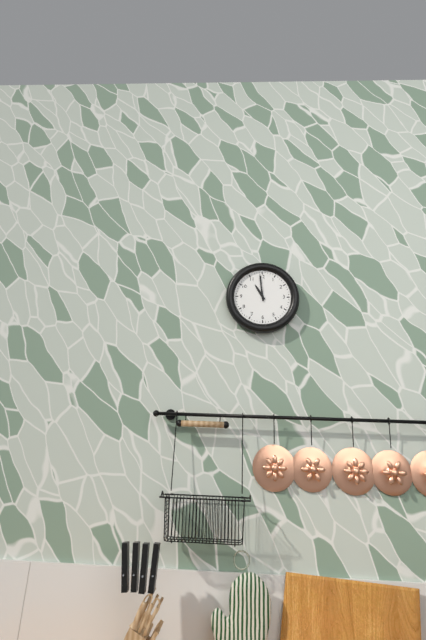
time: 10:59
